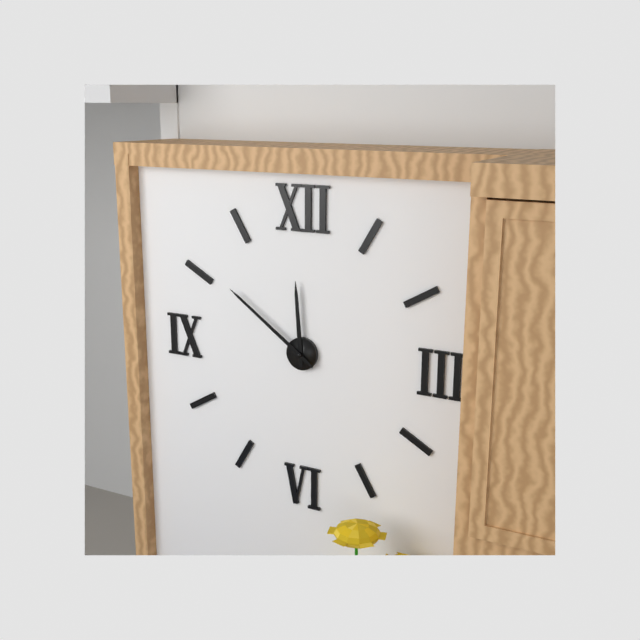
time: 11:51
